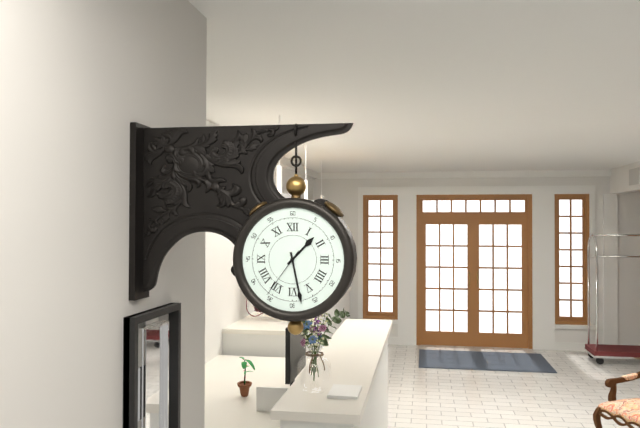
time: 1:28:36
